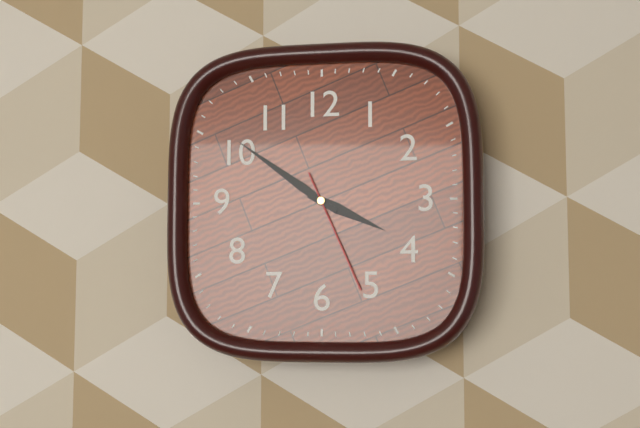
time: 3:51:26
